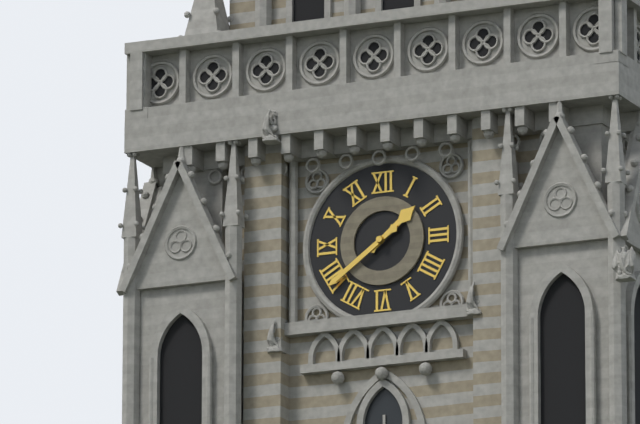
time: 1:39
